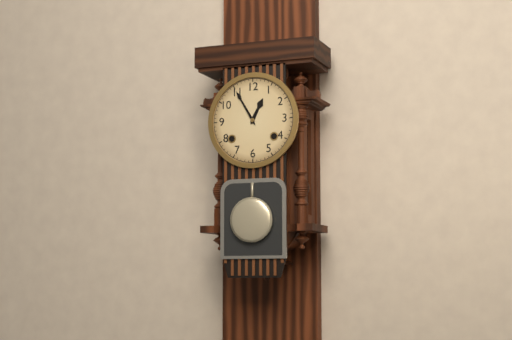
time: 12:55
